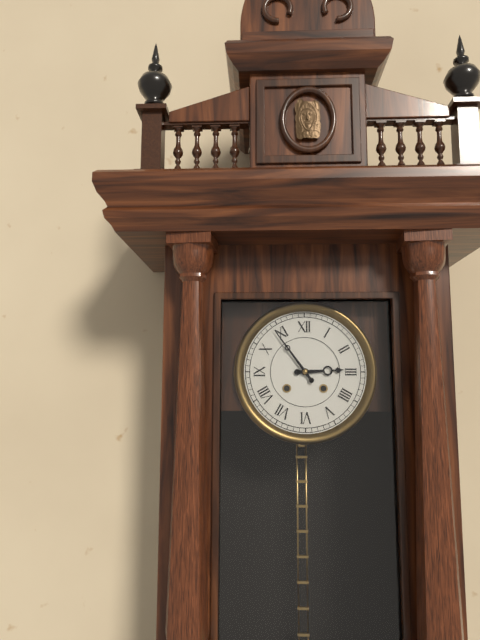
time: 2:54
